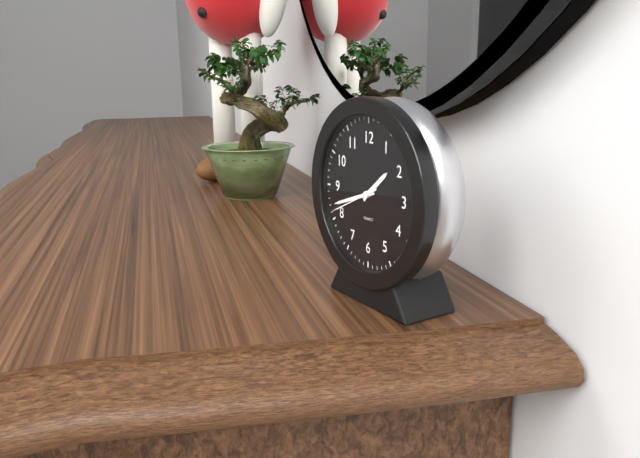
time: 1:42
